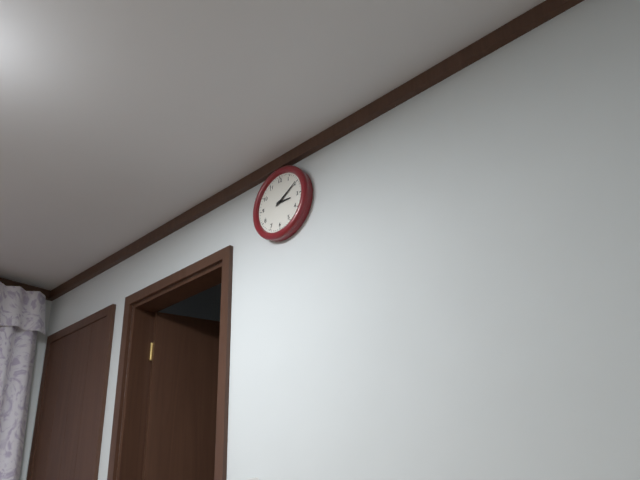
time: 3:10
